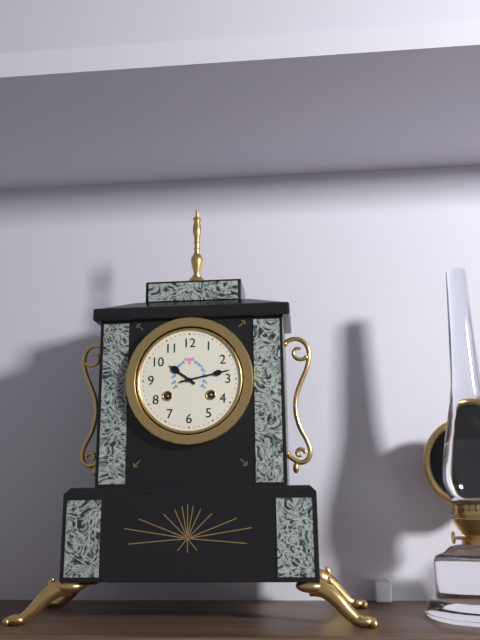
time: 10:13
